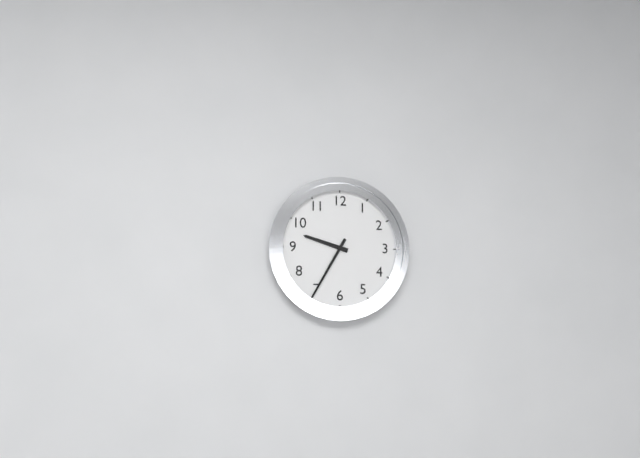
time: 9:35
